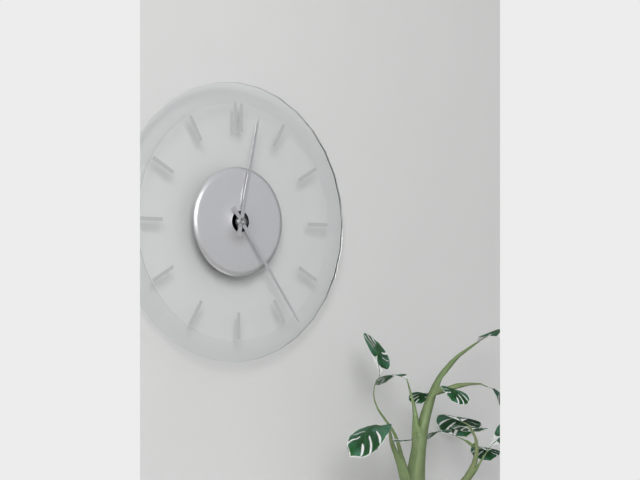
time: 12:24
